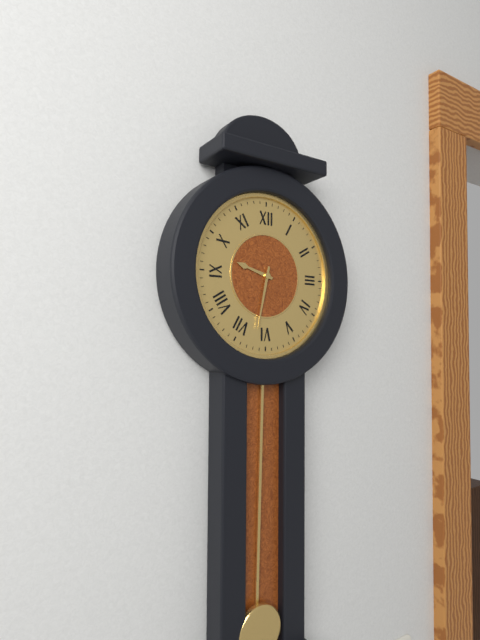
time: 9:32
